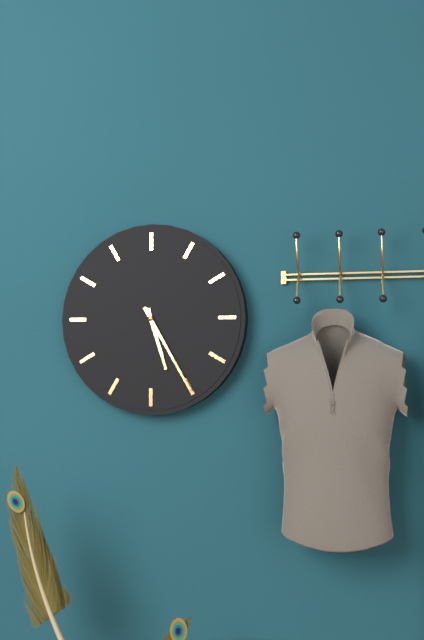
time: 5:25
